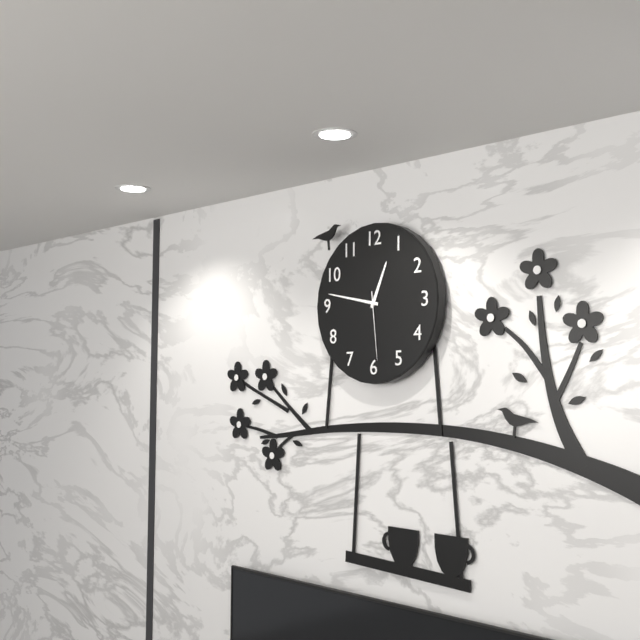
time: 12:47:29
